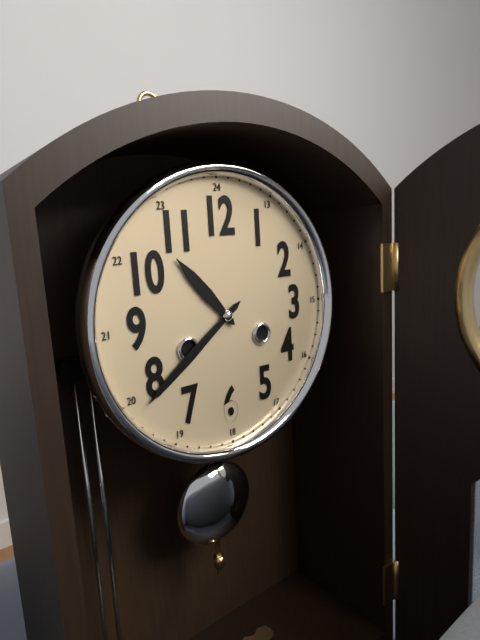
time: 10:39
